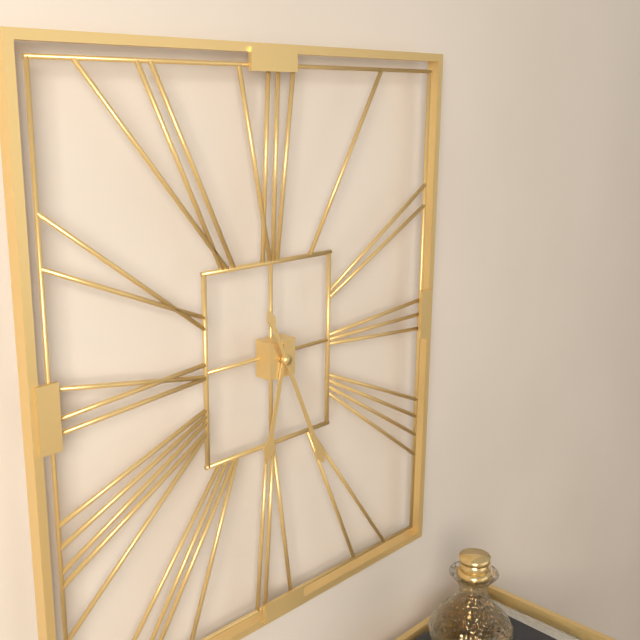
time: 6:26
